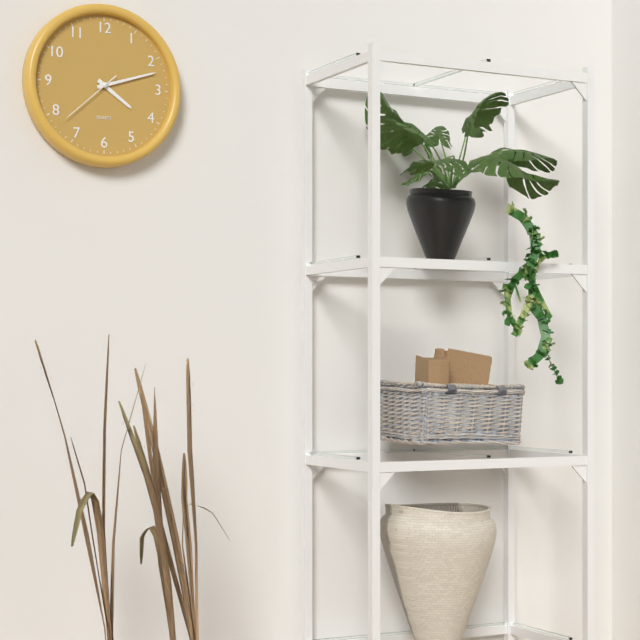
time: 4:12:38
